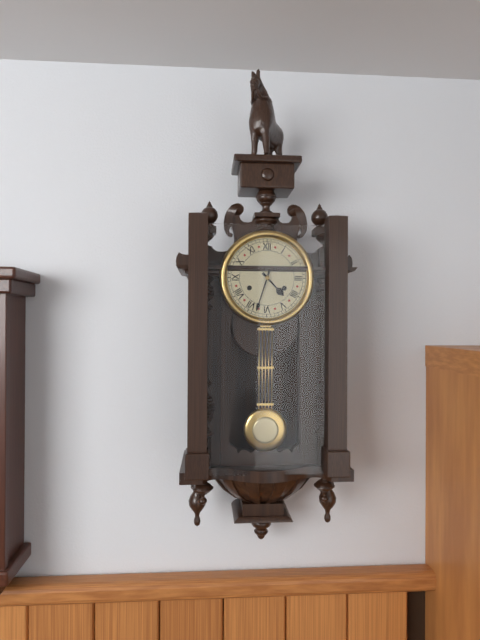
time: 4:33
